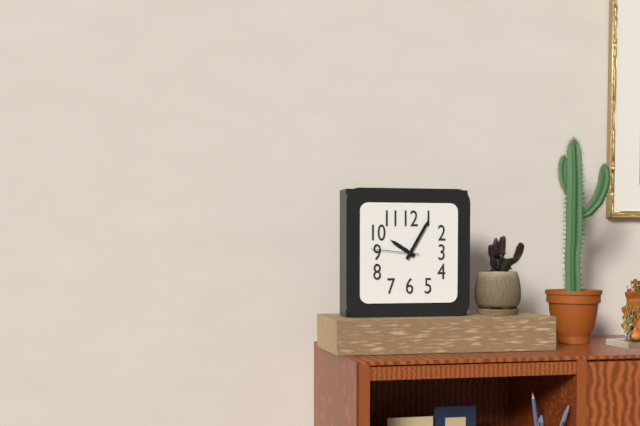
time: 10:05
